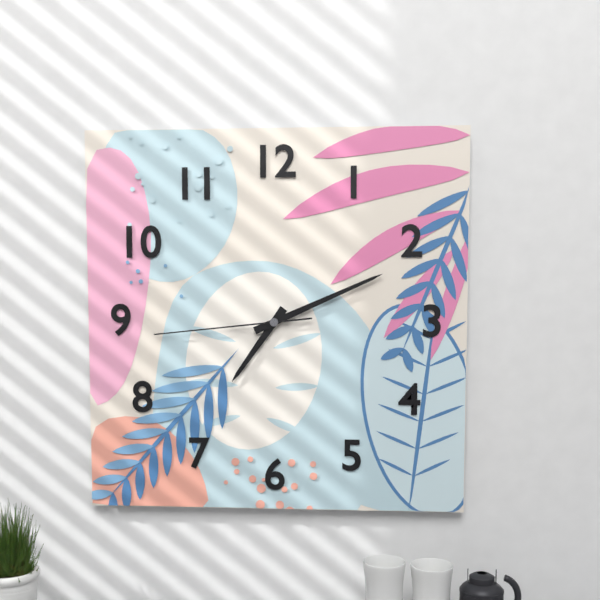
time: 7:11:44
